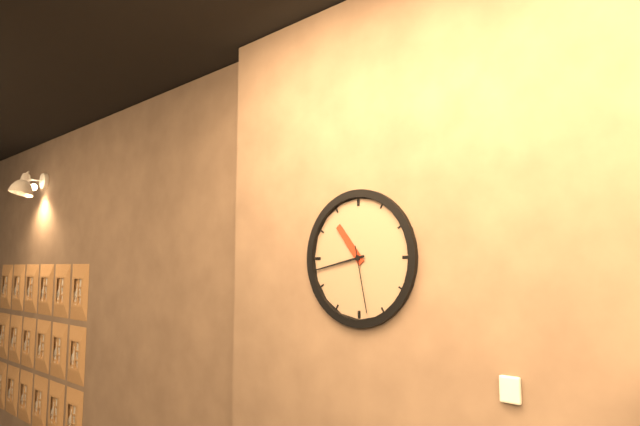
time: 10:43:28
